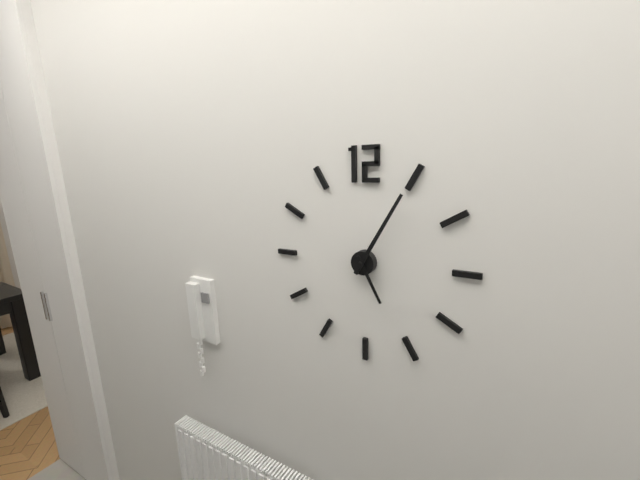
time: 5:05
